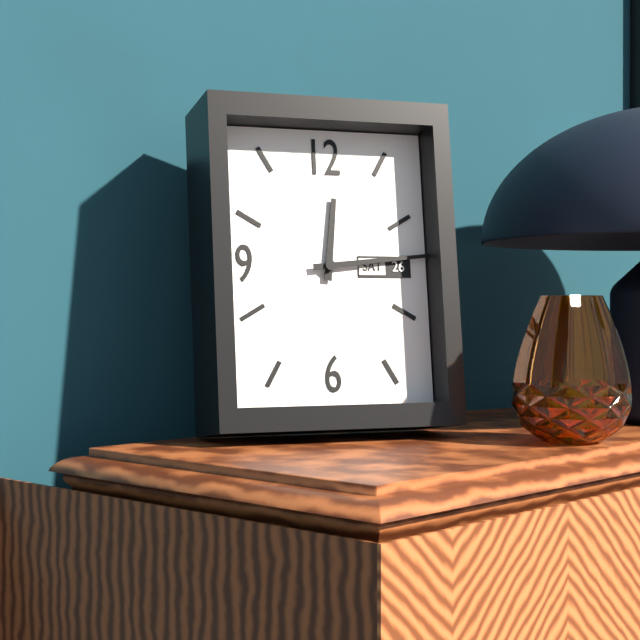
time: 12:14
